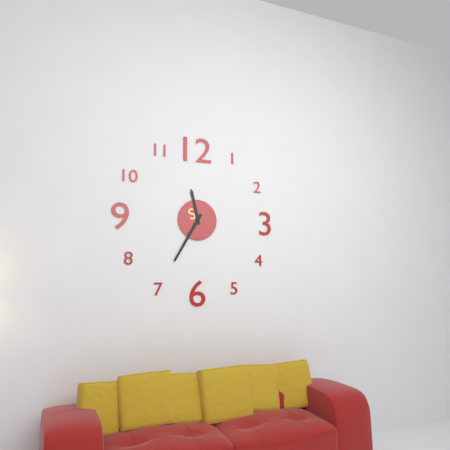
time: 11:35
